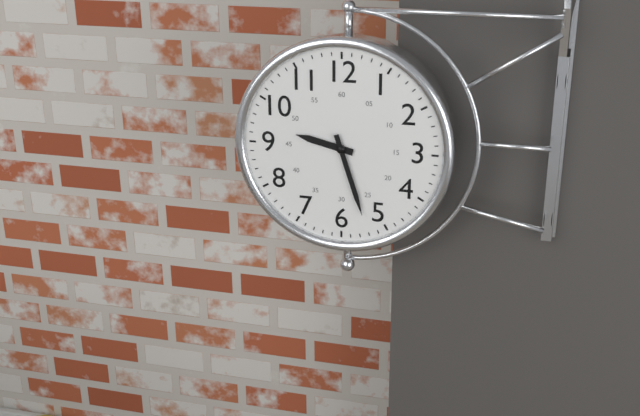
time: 9:27
